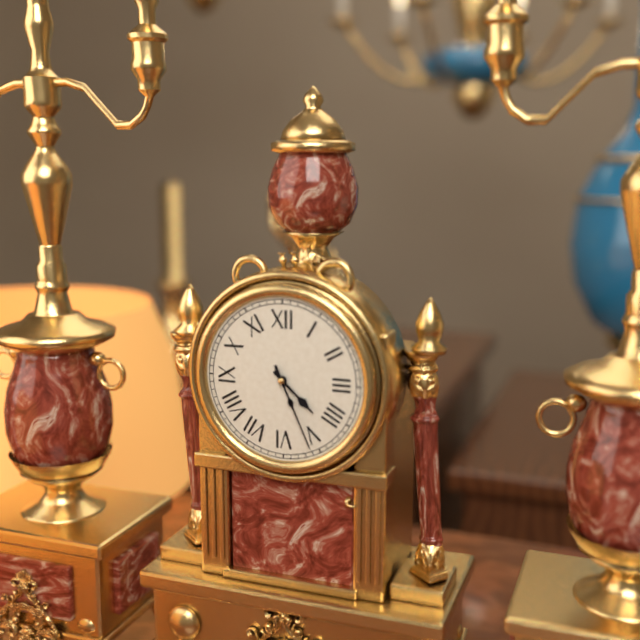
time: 4:26
